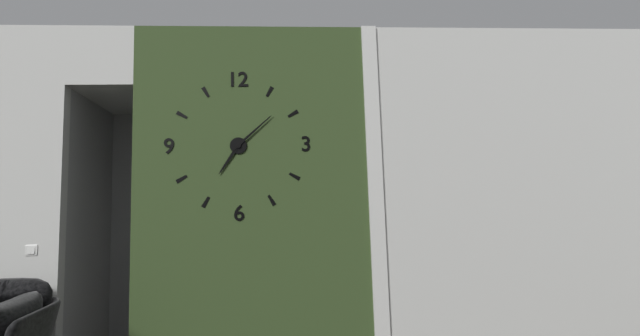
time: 7:08
